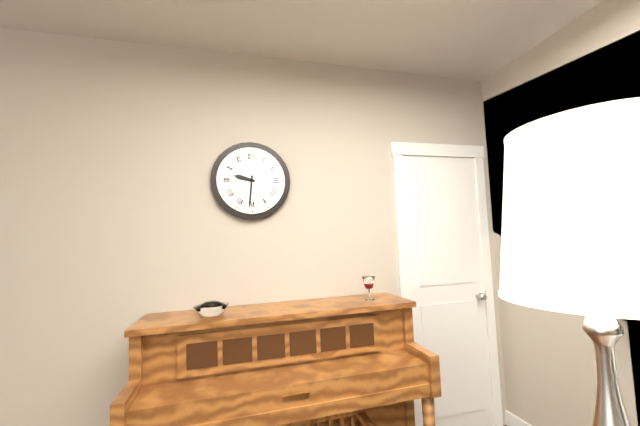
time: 9:31
